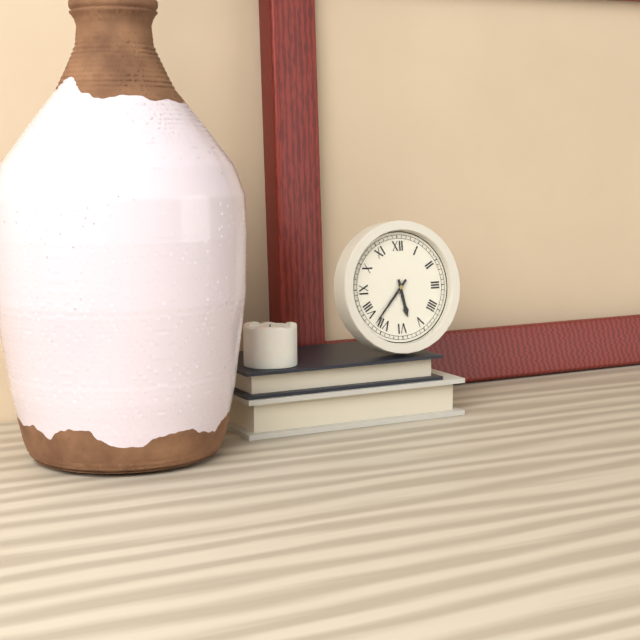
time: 5:37
